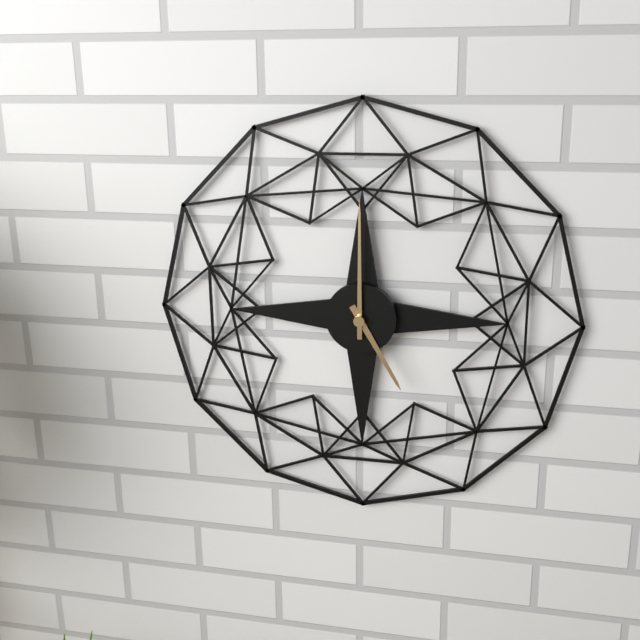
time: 5:00
